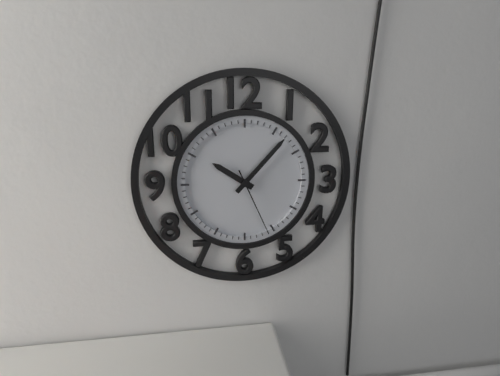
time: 10:07:26
